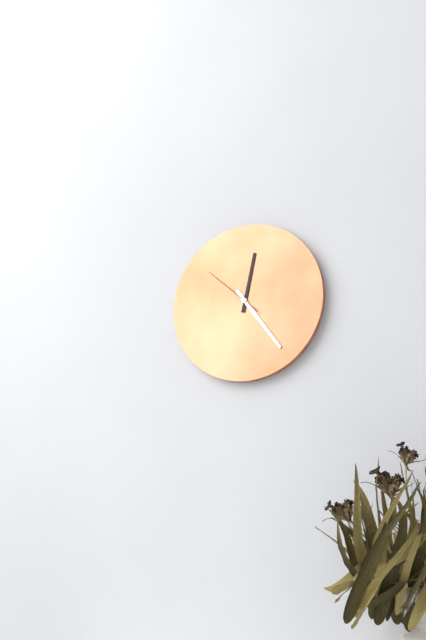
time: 12:24:52
